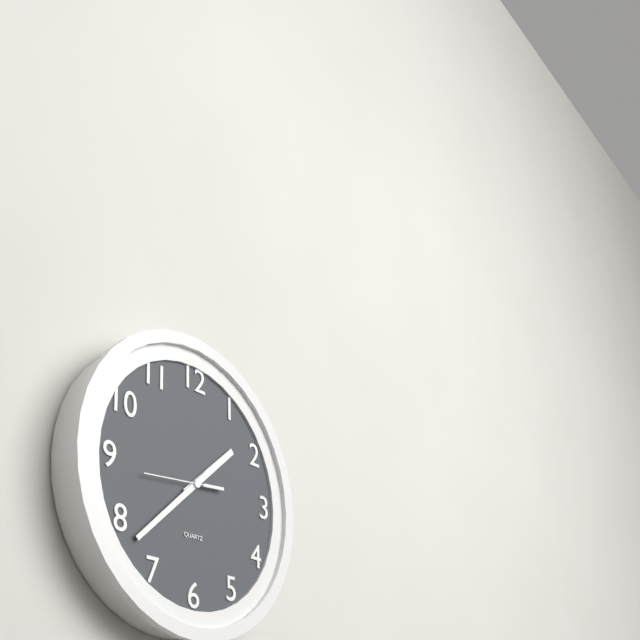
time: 1:38:44
